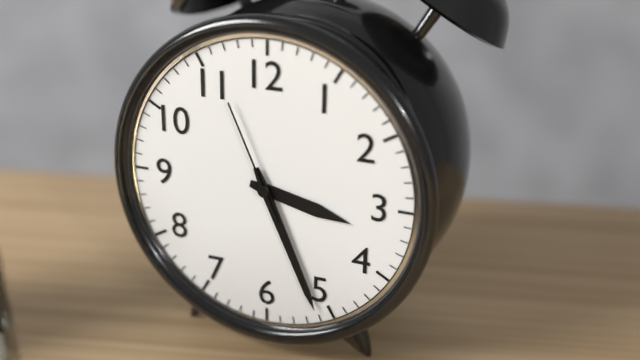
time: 3:26:56
